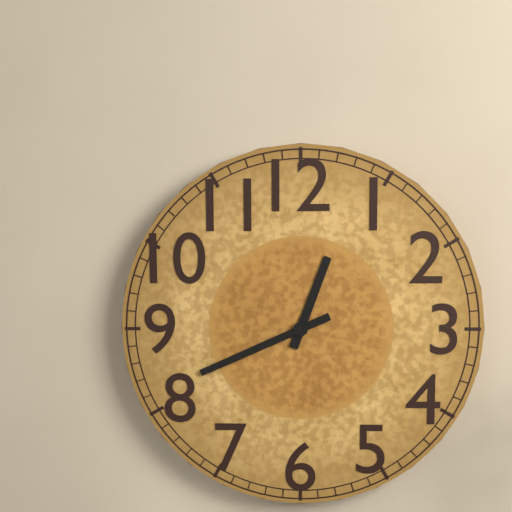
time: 12:41
